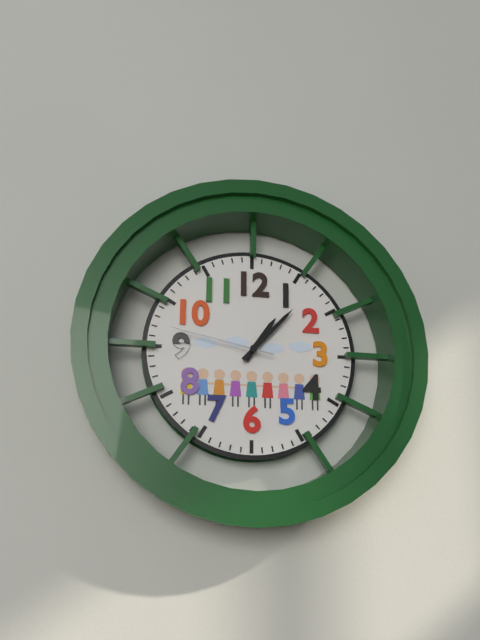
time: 1:07:47
